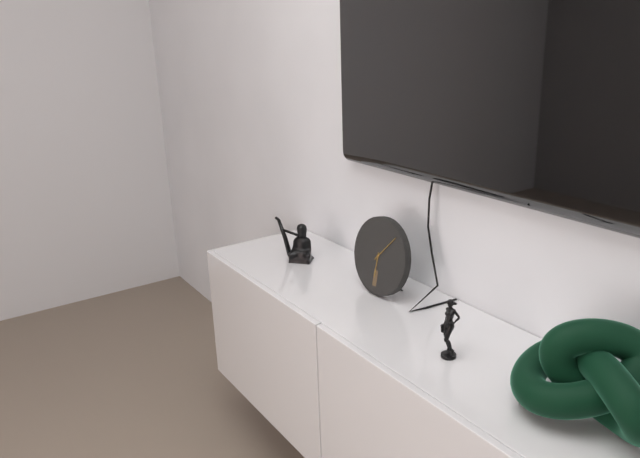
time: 6:07
